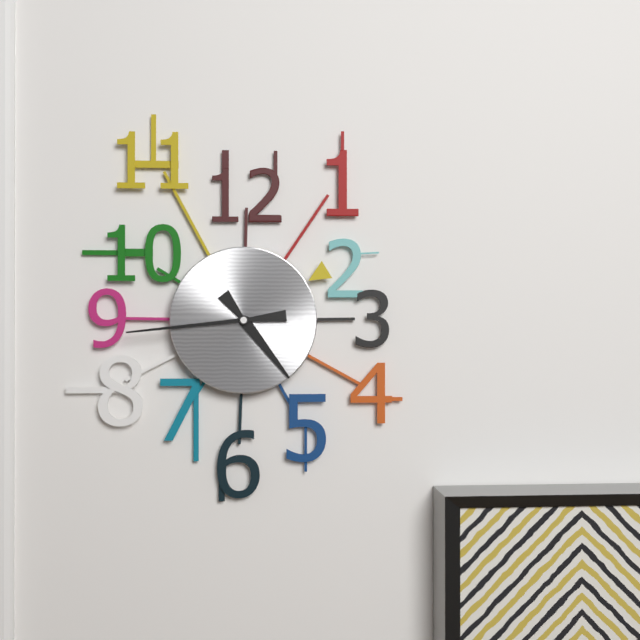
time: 4:44
